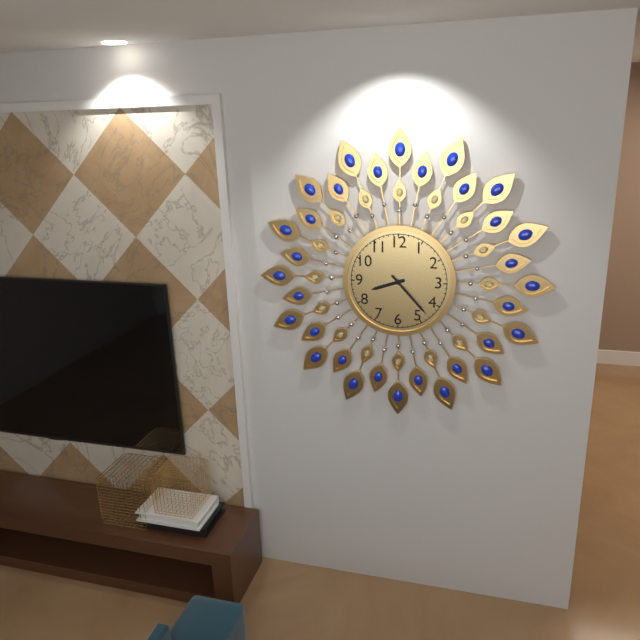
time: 8:23
